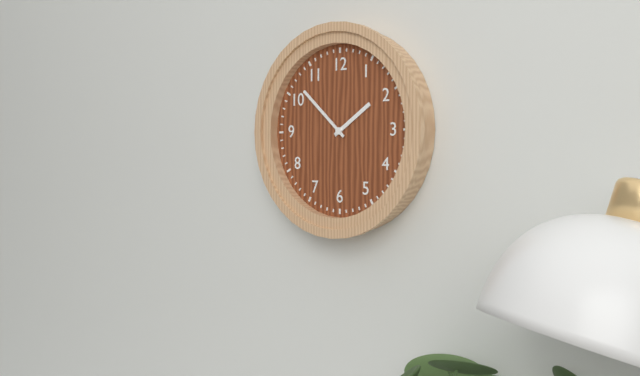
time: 1:52
